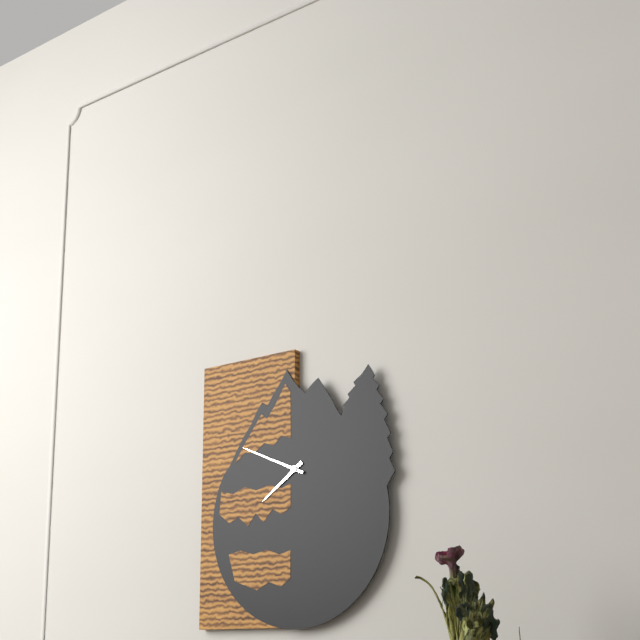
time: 7:49
